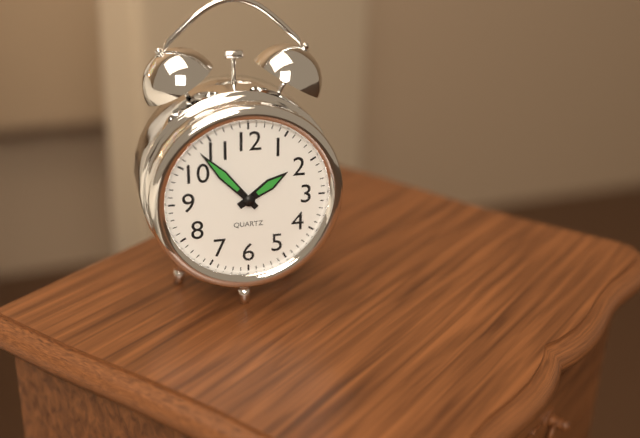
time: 1:53
